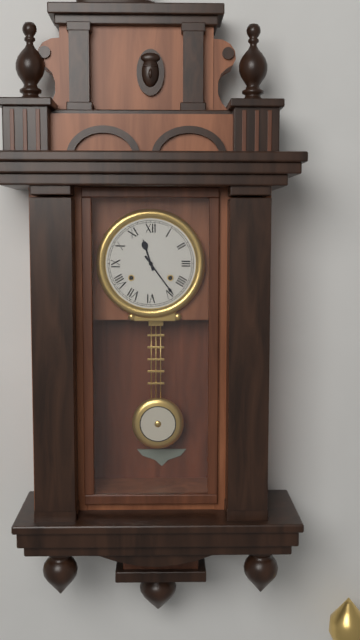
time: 11:24
